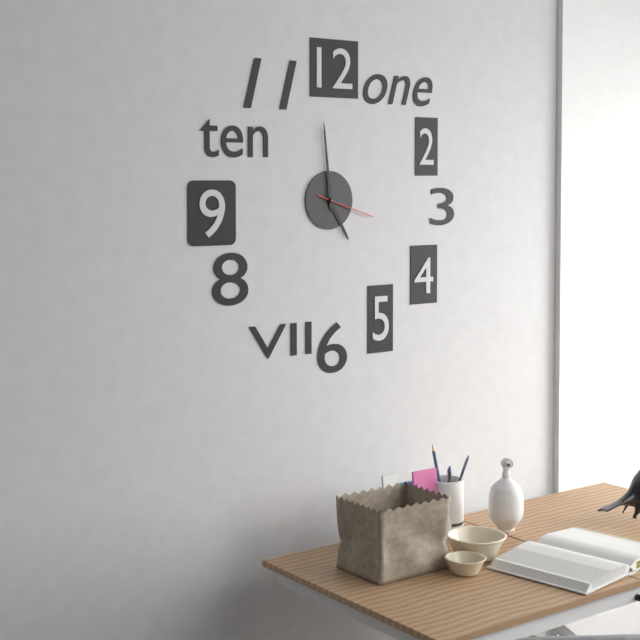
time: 4:59:18
